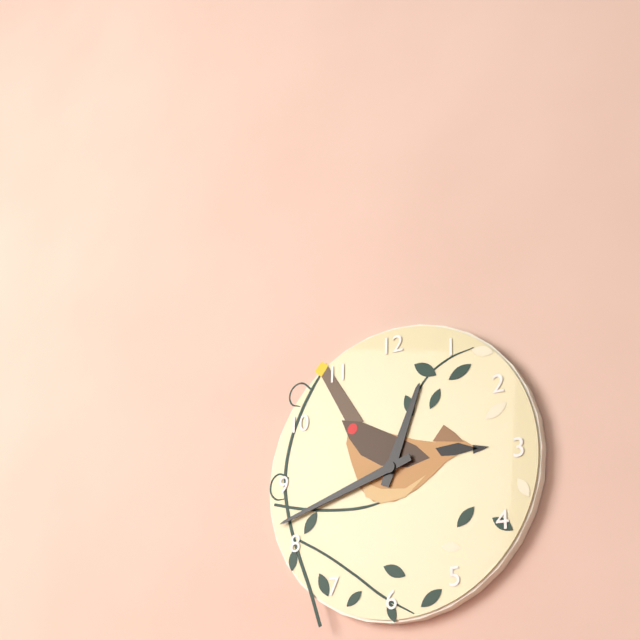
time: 12:42
